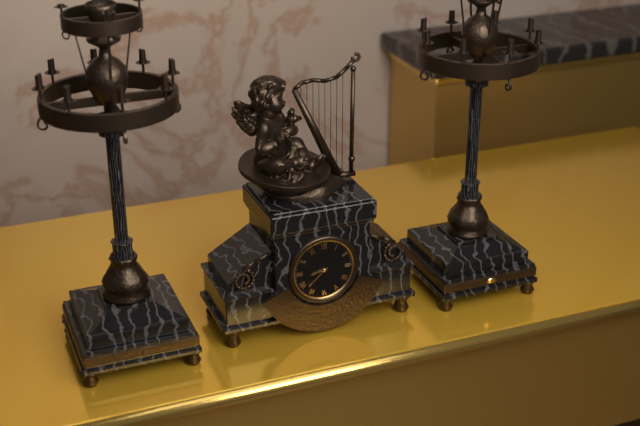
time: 8:38
